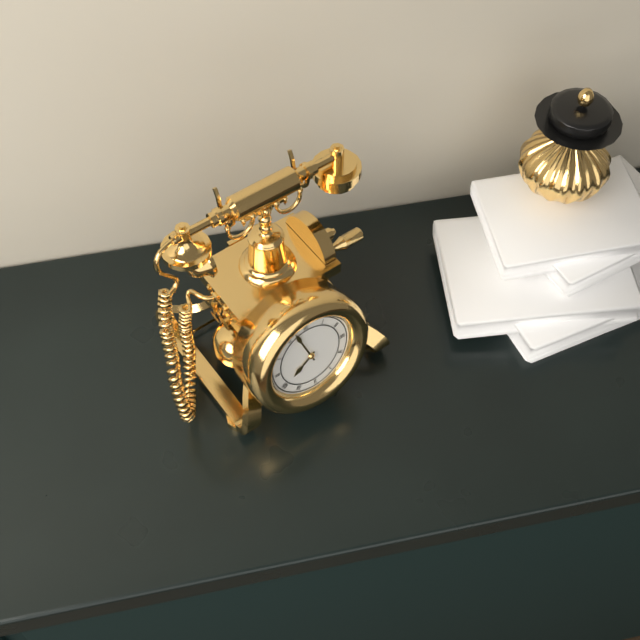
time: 7:57
